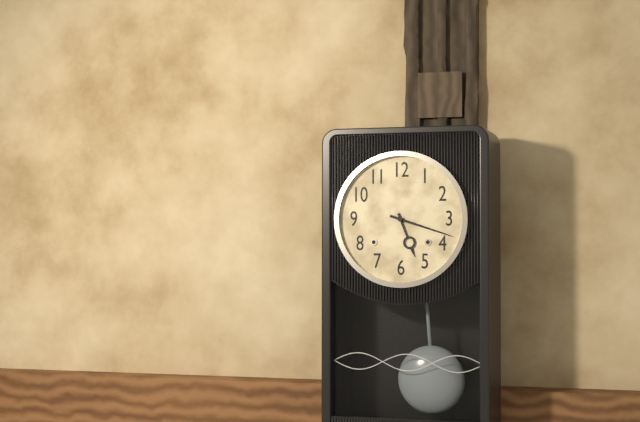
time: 5:18
